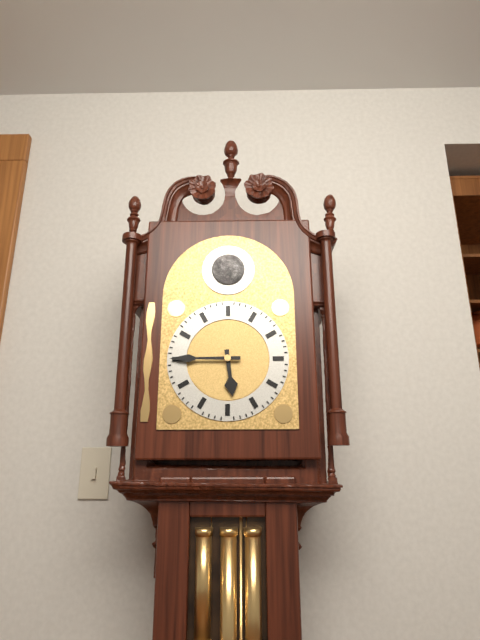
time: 5:45
